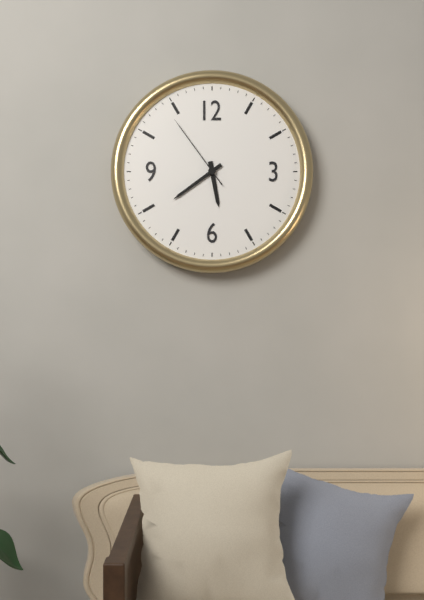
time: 5:39:54
